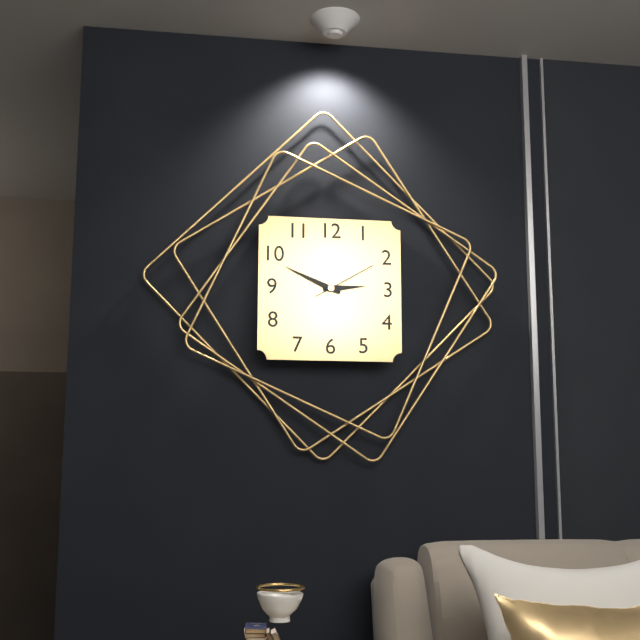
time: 2:49:10
